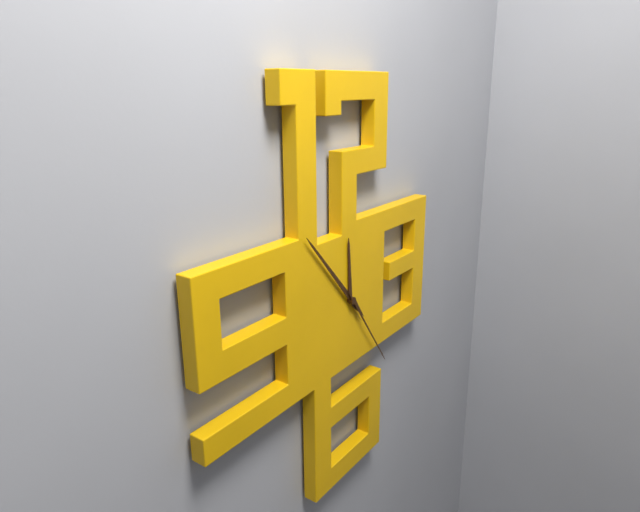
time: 11:53:24
